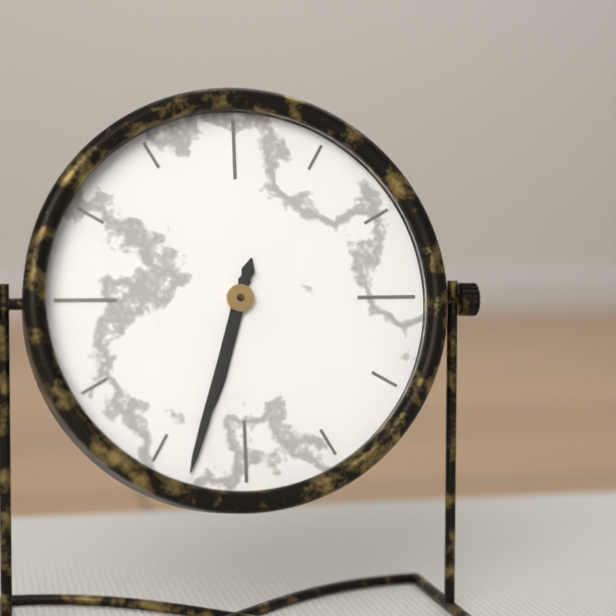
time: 6:33
